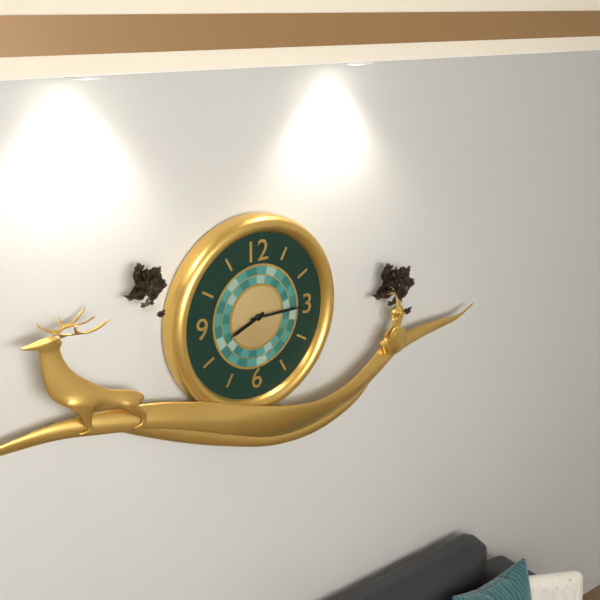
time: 8:15
